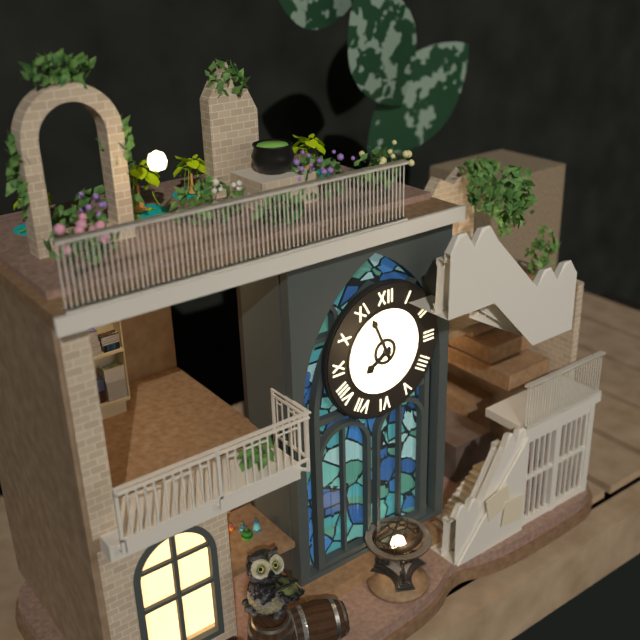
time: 7:56
